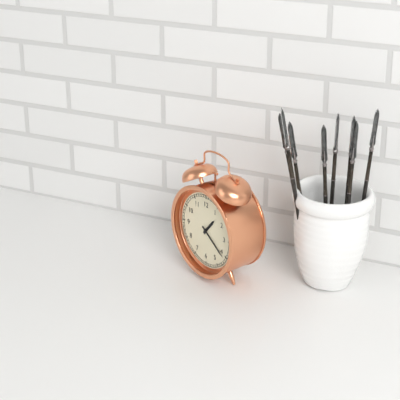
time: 1:21
